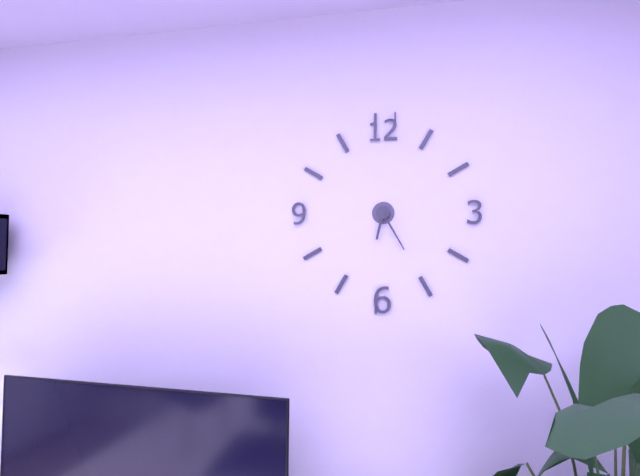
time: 6:25
